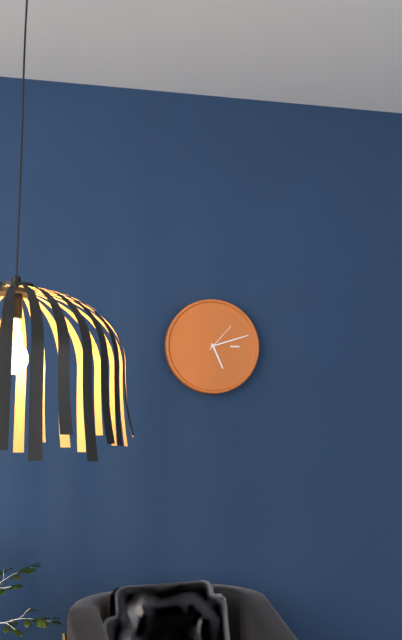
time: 5:12
